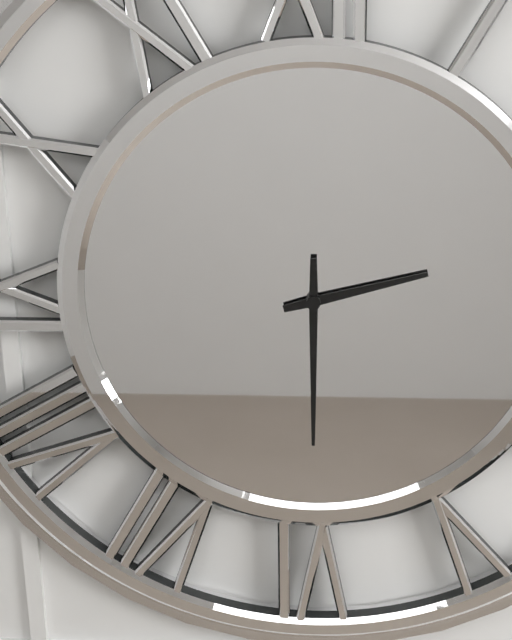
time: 2:30
